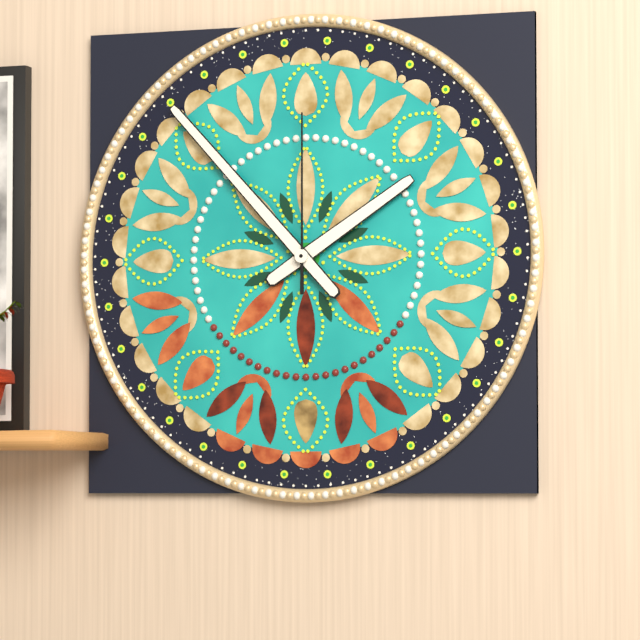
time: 1:53:00
